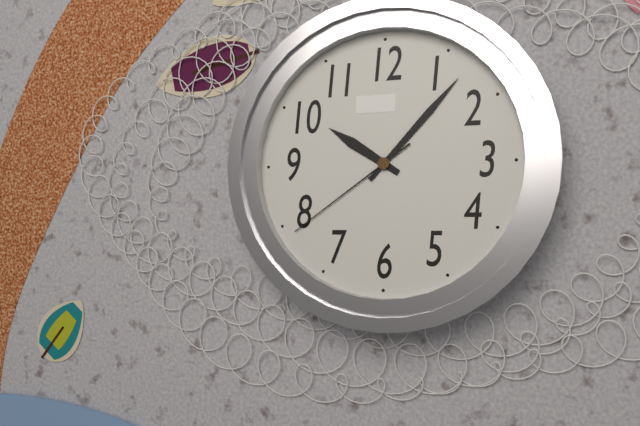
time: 10:07:39
